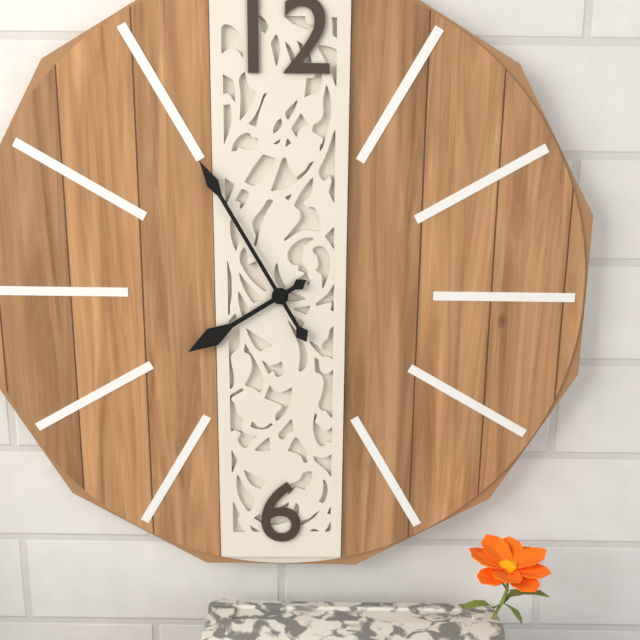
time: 7:55
